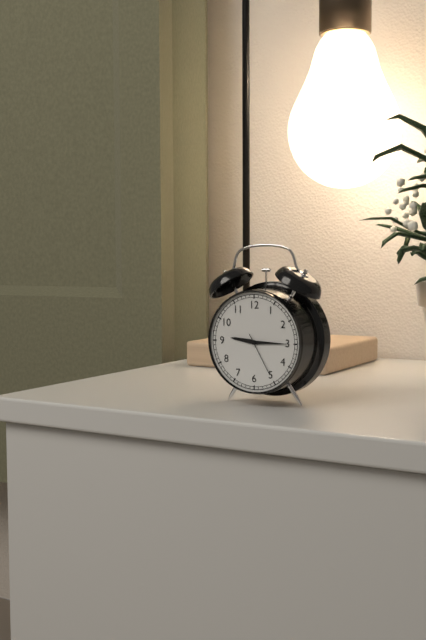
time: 9:15
